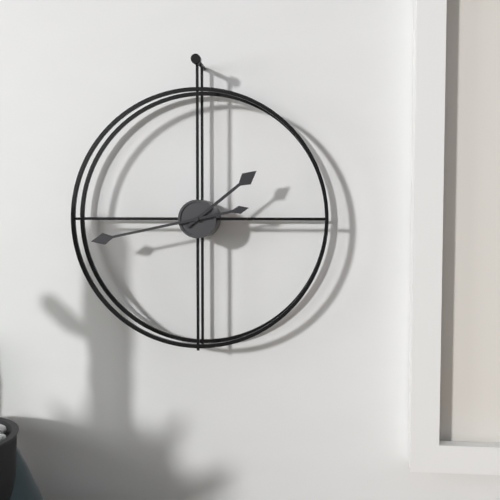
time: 1:43
